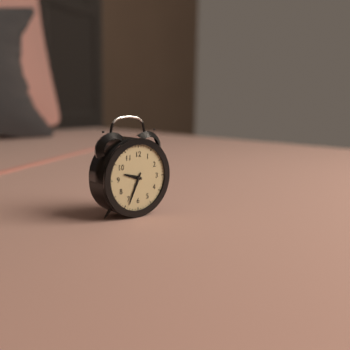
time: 9:34
